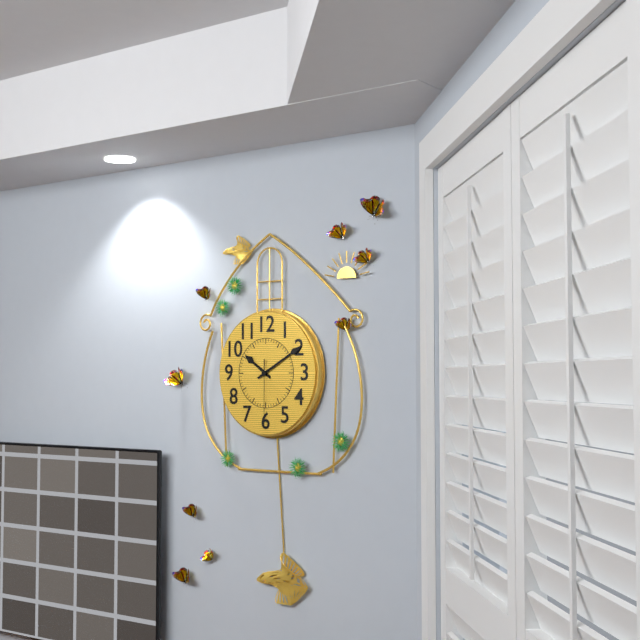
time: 10:10:30
